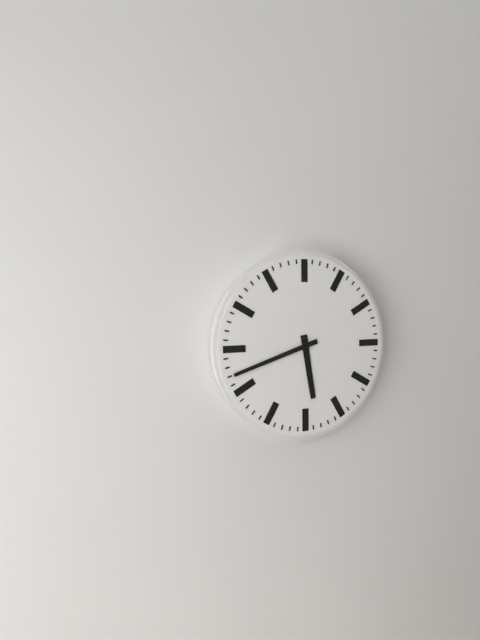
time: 5:42
